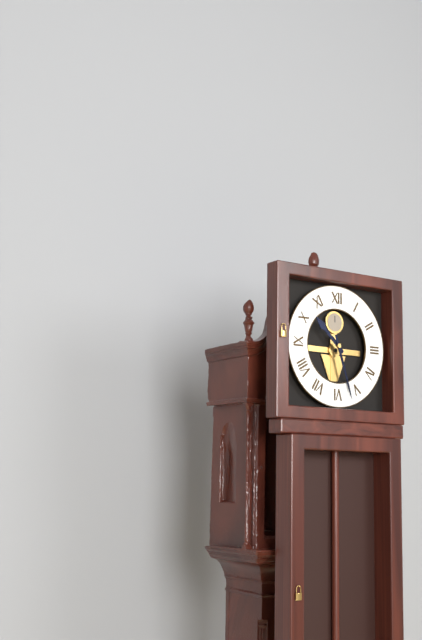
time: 10:27
